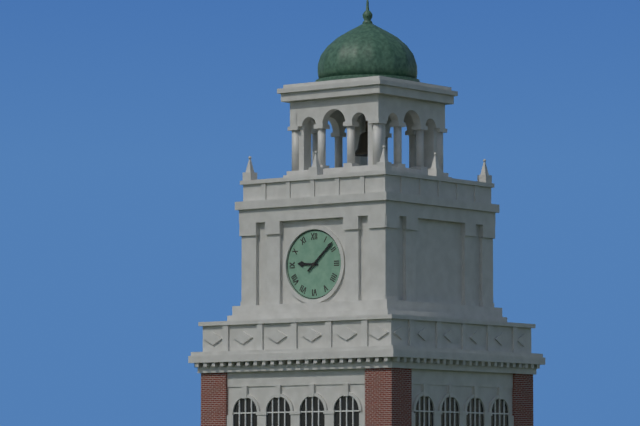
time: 9:08
